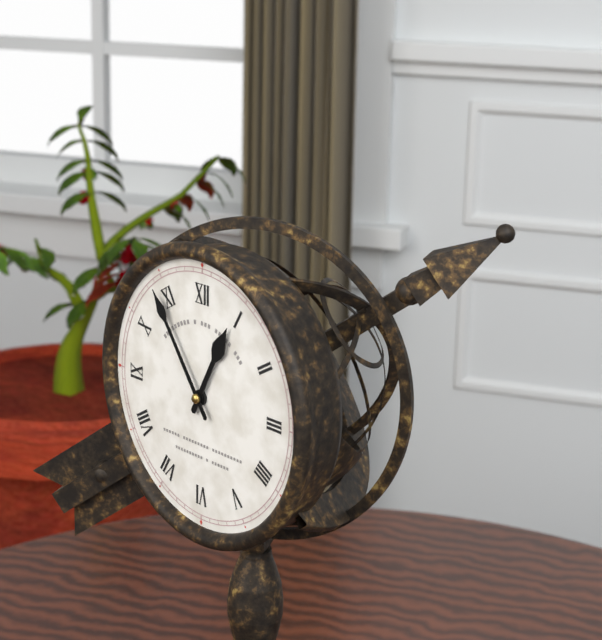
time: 12:54
